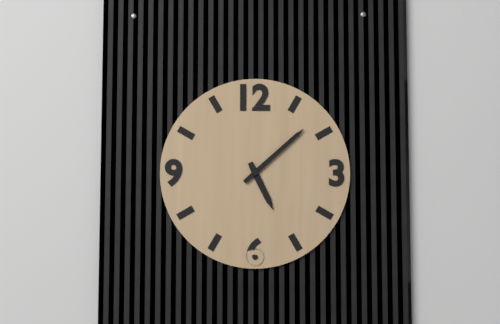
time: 5:08
